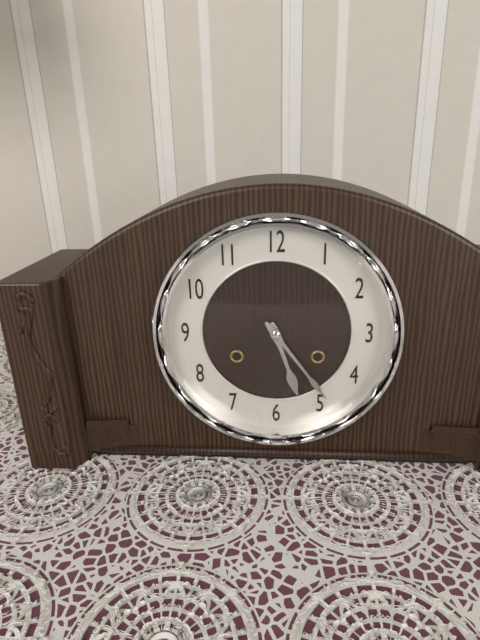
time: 5:24
